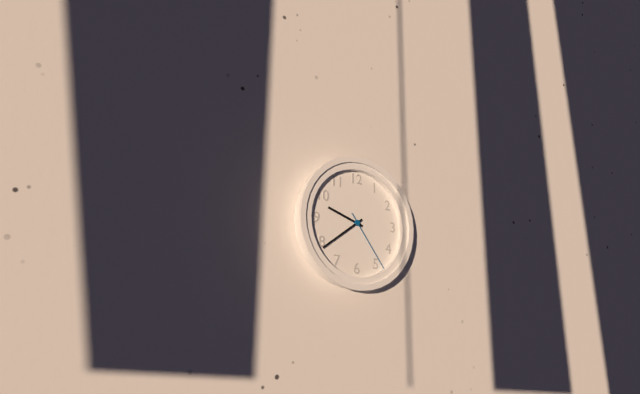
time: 9:39:24
